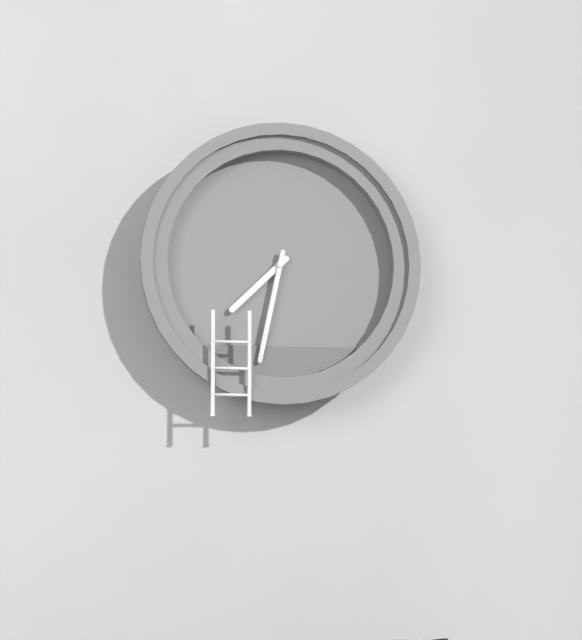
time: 7:32
